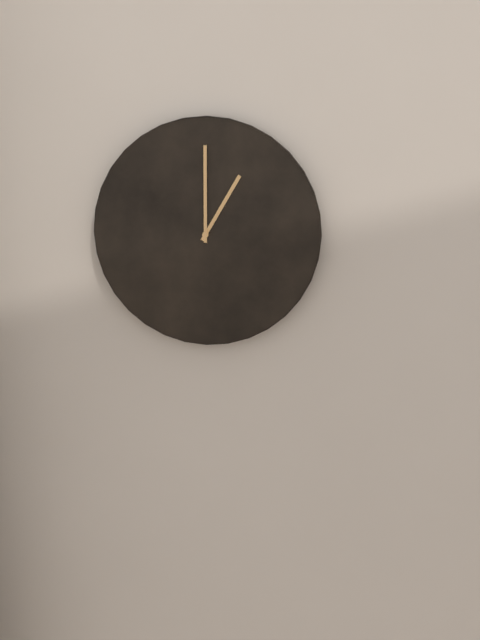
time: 1:00
